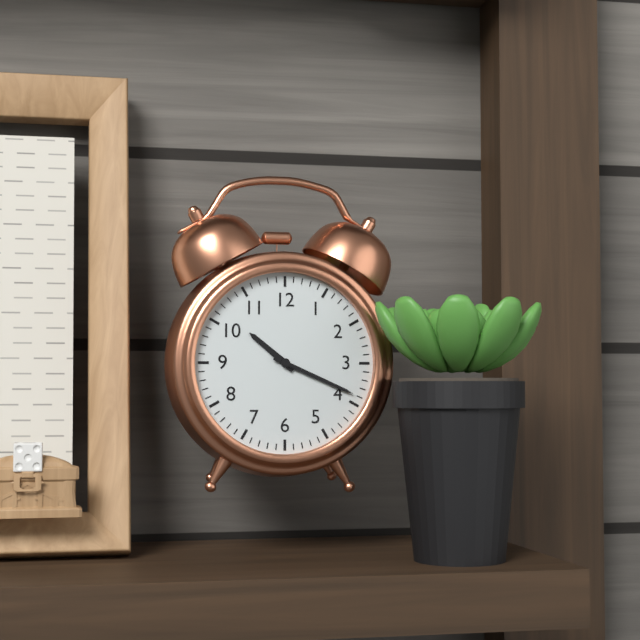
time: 10:19
